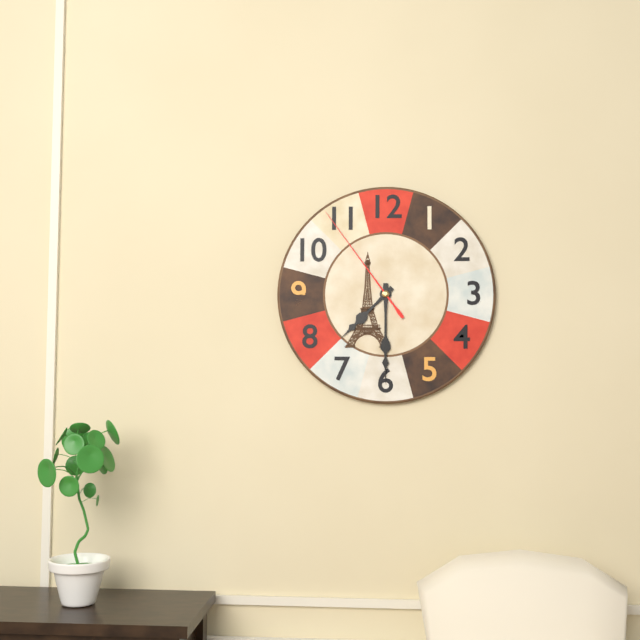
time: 7:30:54
